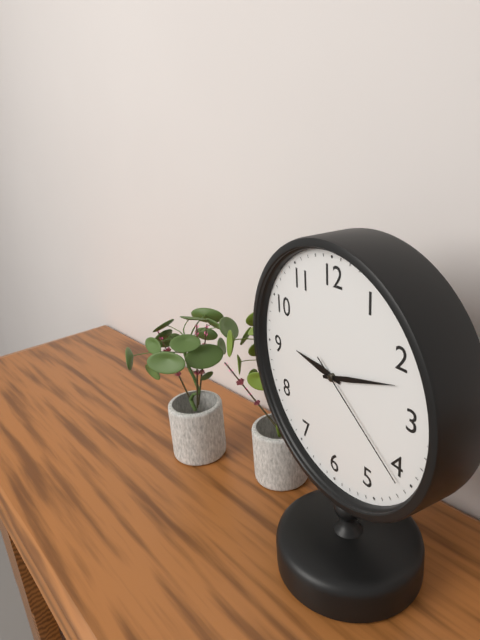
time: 9:12:21
